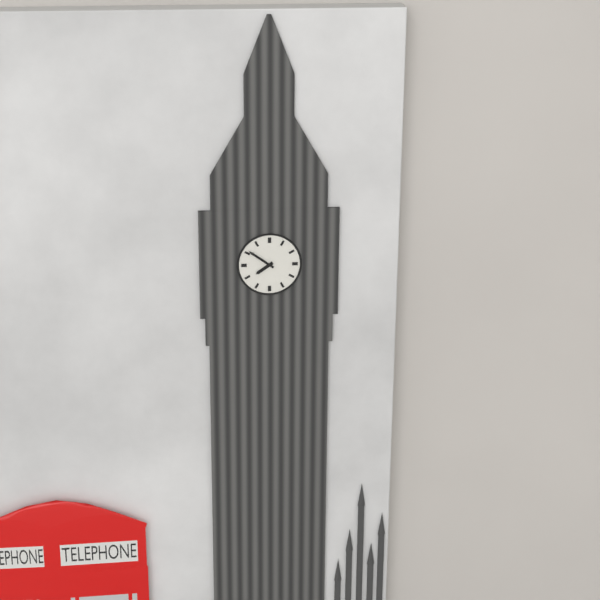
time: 7:51
